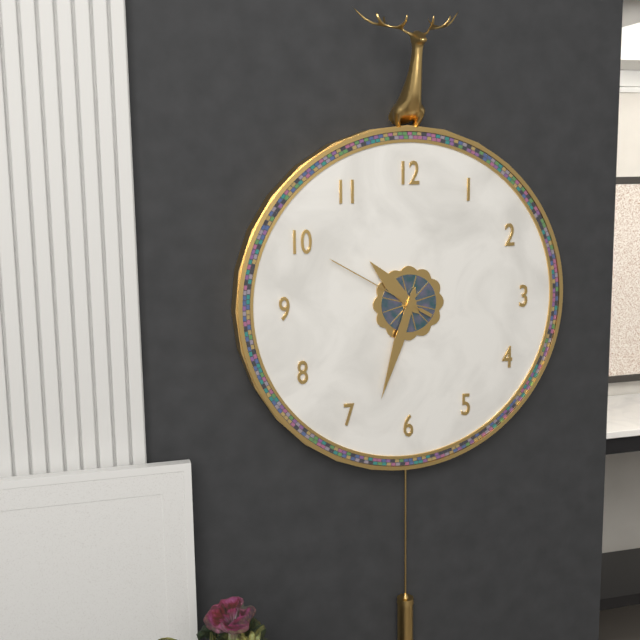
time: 10:33:50
